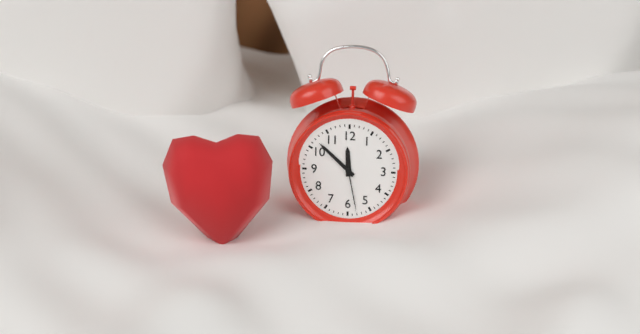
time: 11:52:28
